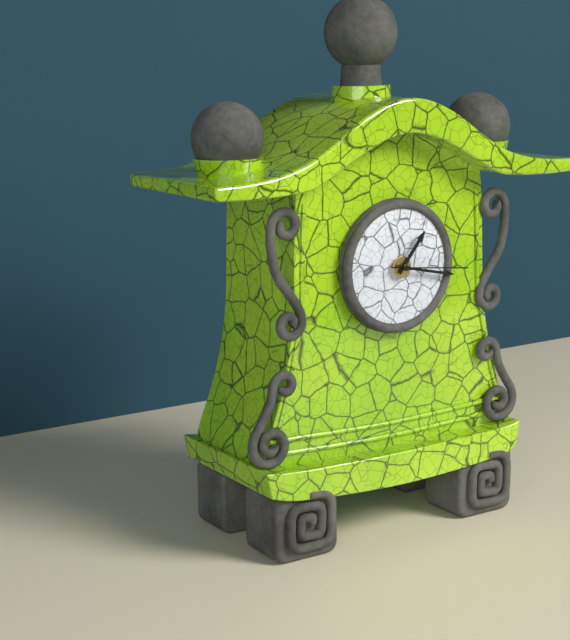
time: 1:17:16
